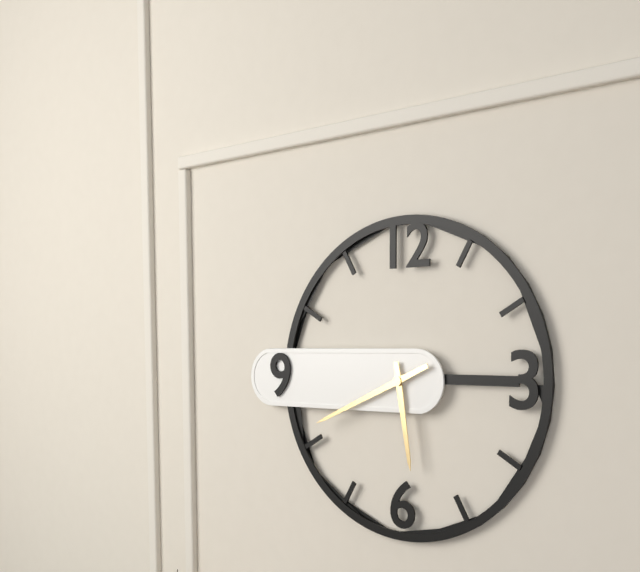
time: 5:41
